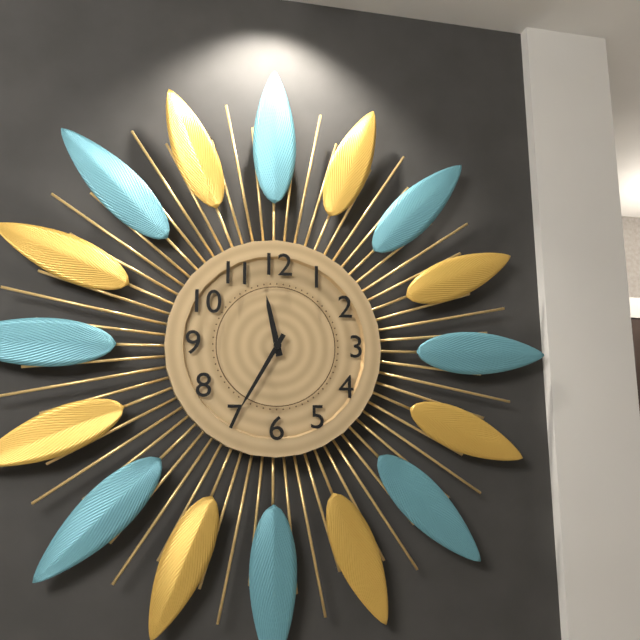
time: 11:35
